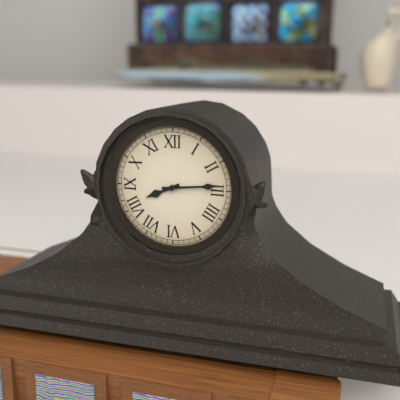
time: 8:14
